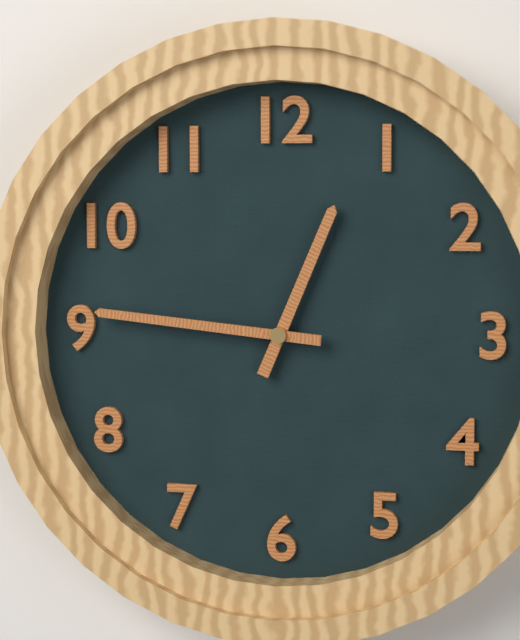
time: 12:46
